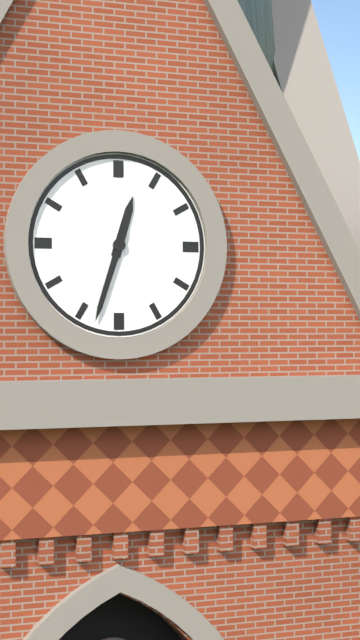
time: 12:33
